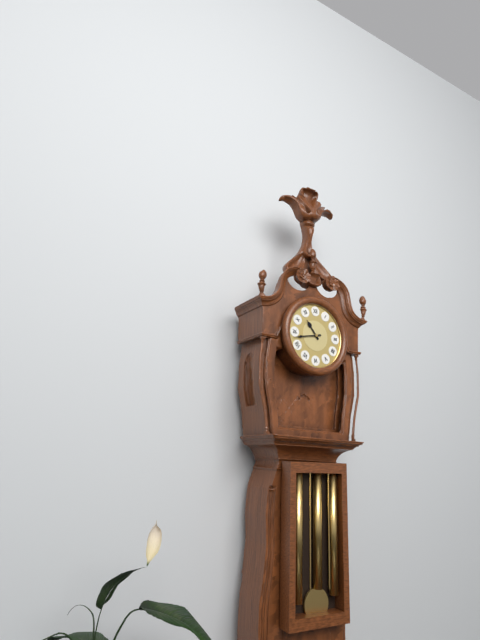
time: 10:43
